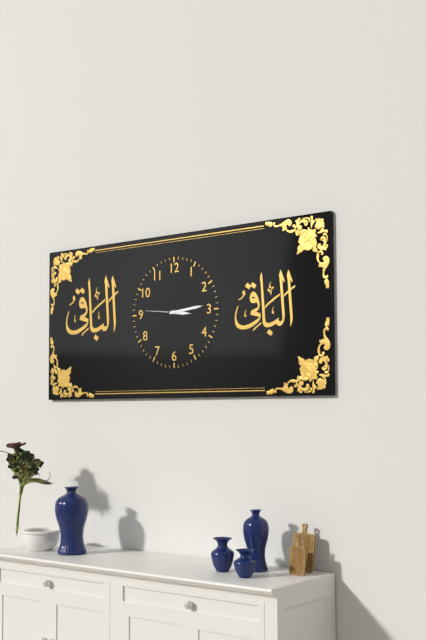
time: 3:14
